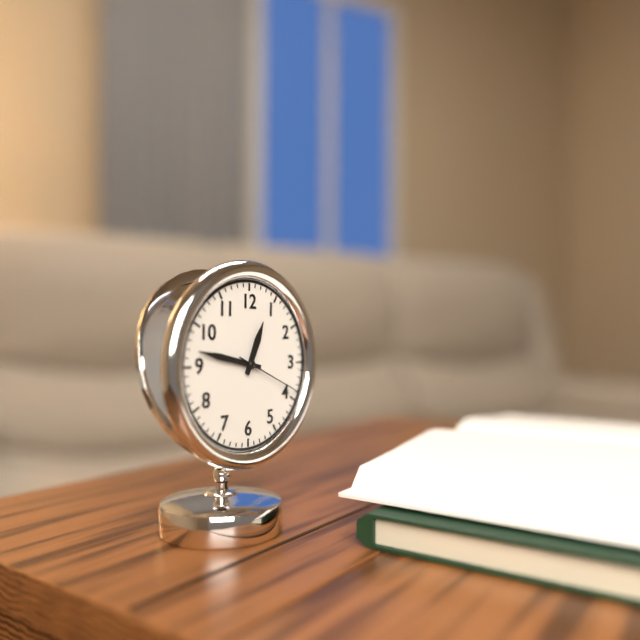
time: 12:47:19
